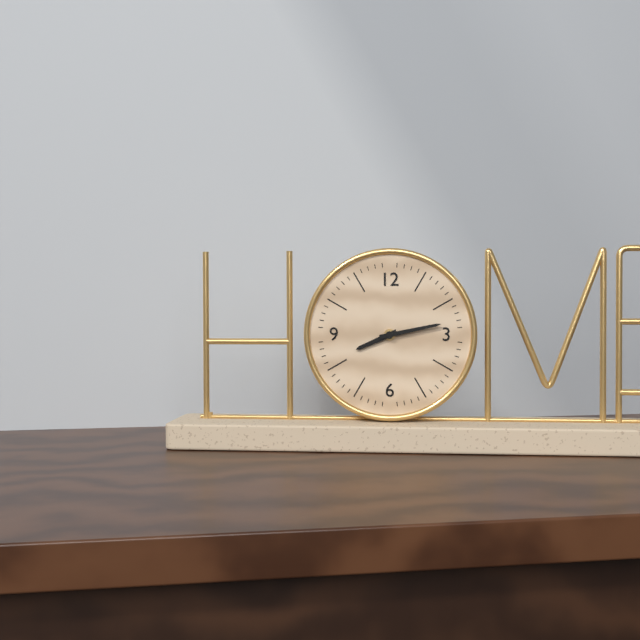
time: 8:13
